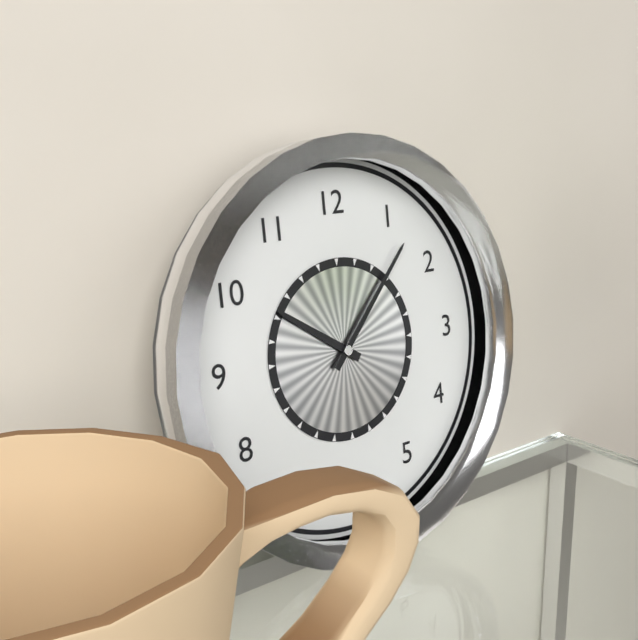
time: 10:07
